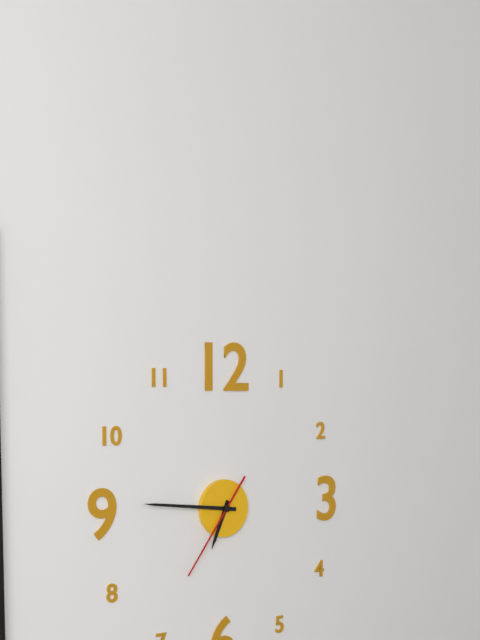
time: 6:46:36
